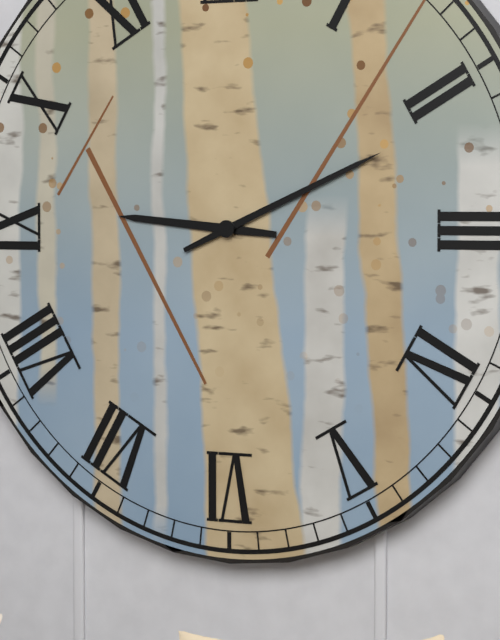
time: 9:11
